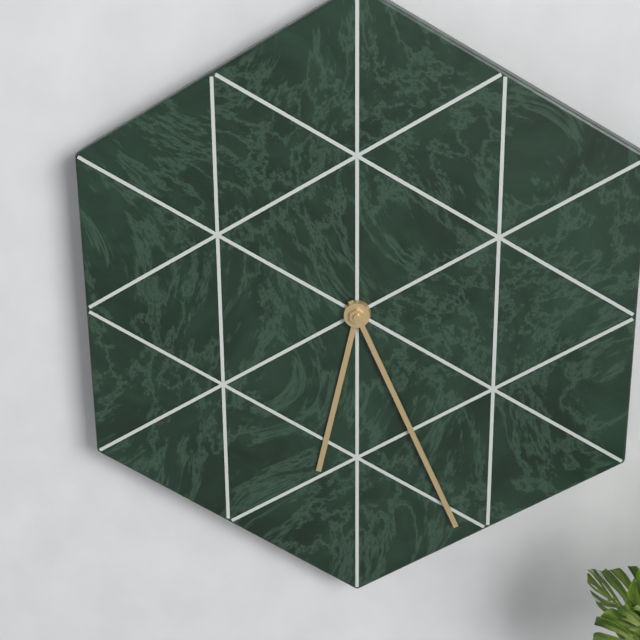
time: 6:26
